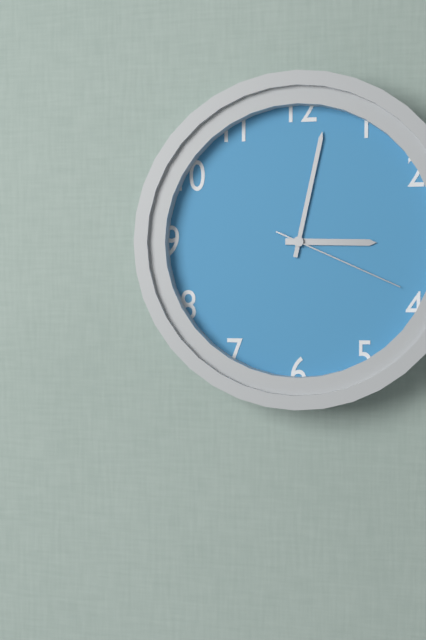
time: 3:02:19
